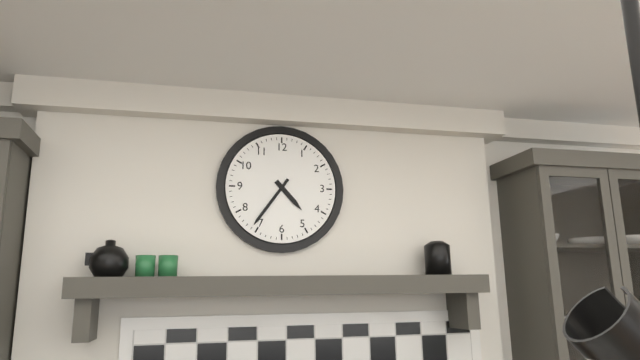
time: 4:36
